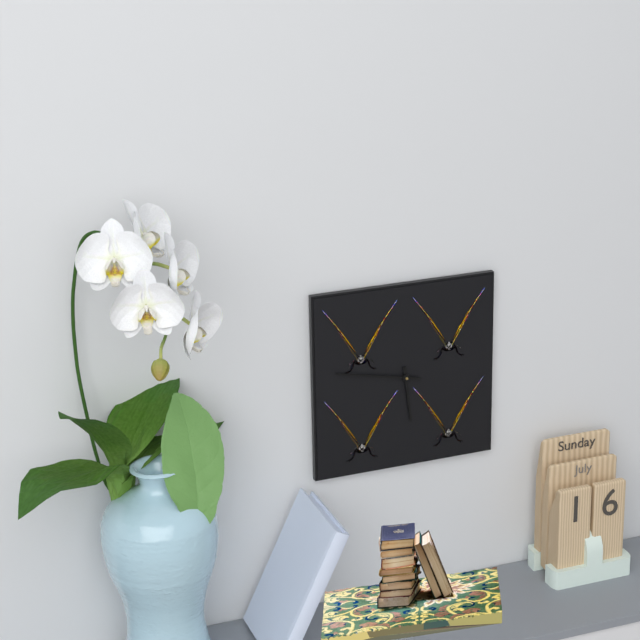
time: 5:47
